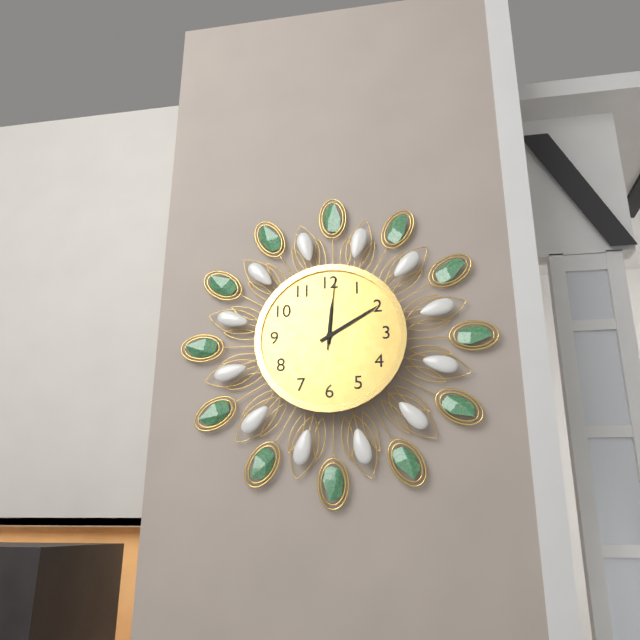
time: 12:10:01
